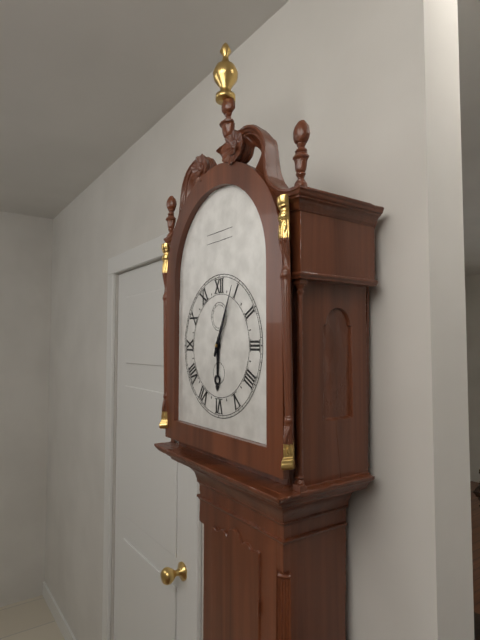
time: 6:04
